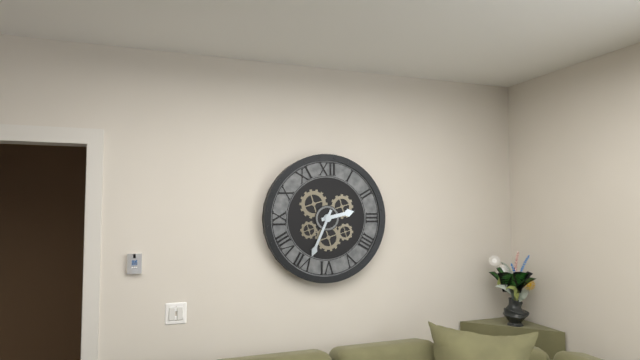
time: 2:34
